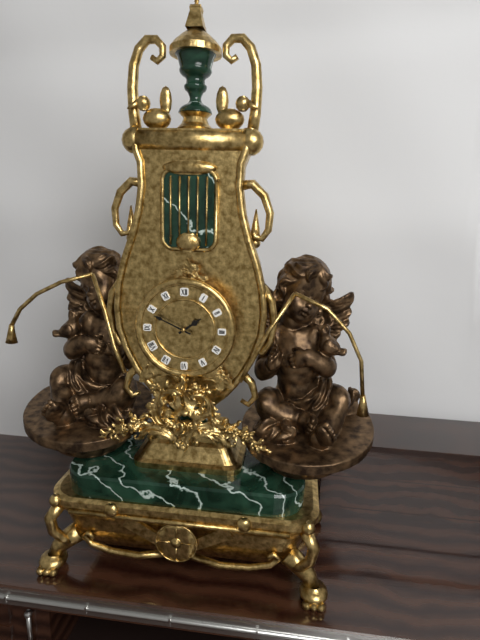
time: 1:49
